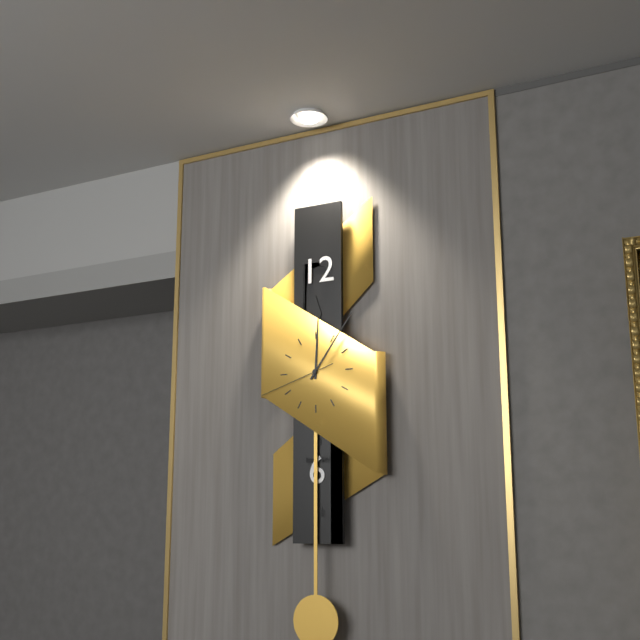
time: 12:06:42
